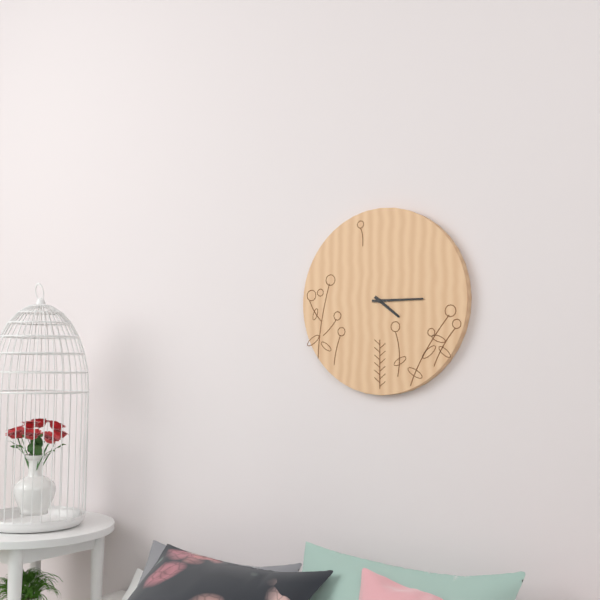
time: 4:15
